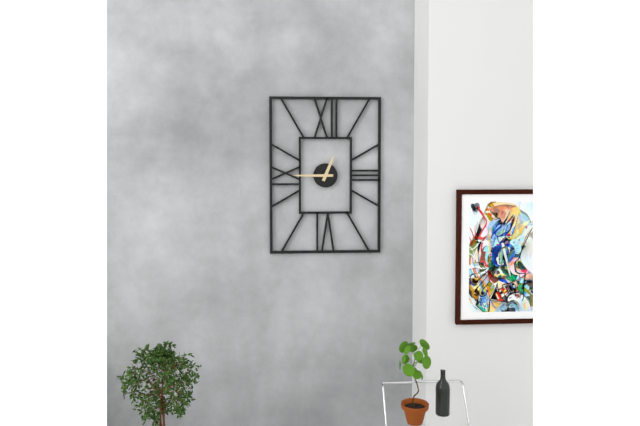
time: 12:45
